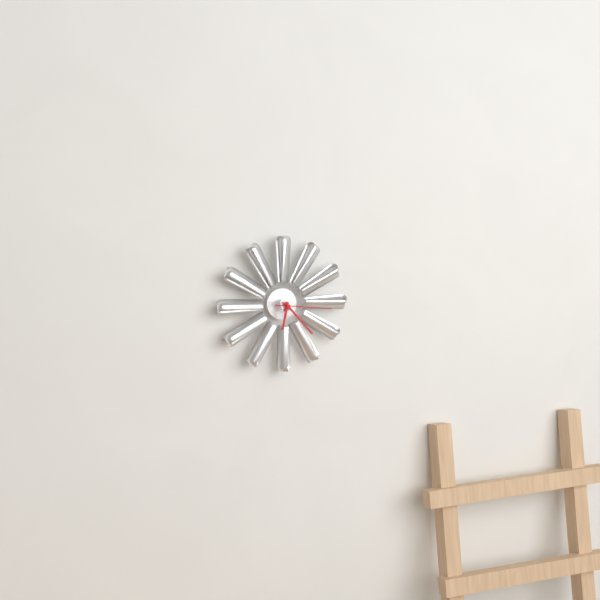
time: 6:23:16
